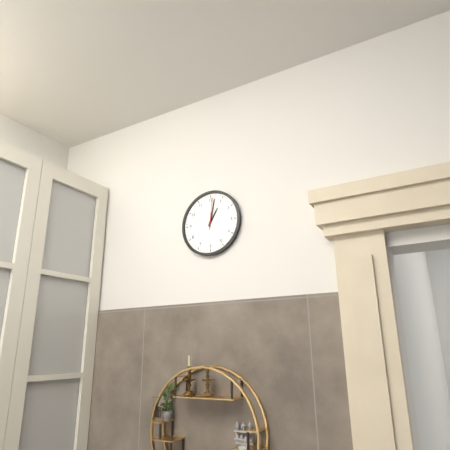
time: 1:02
